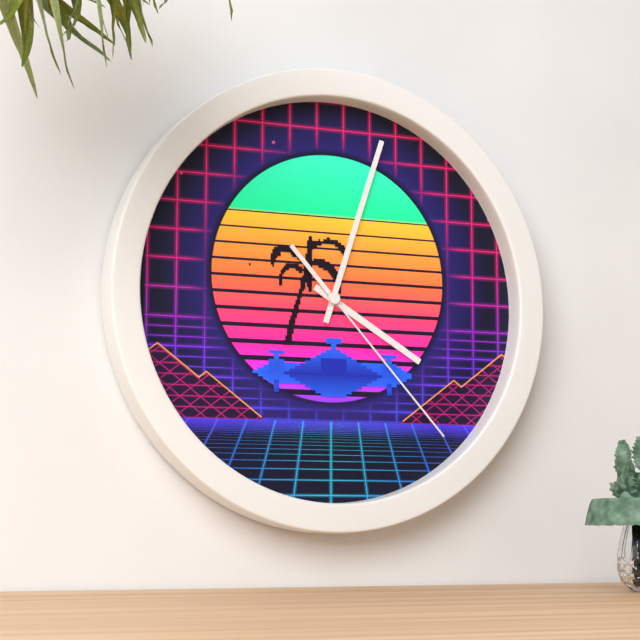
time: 4:03:23
